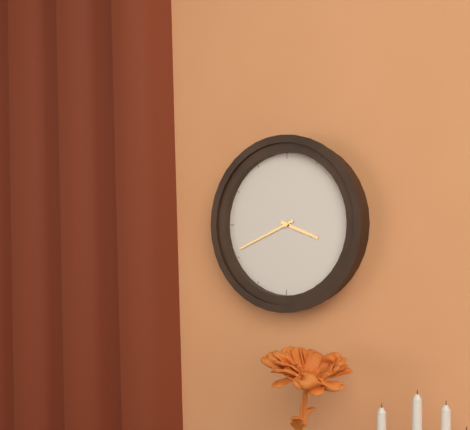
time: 3:41
